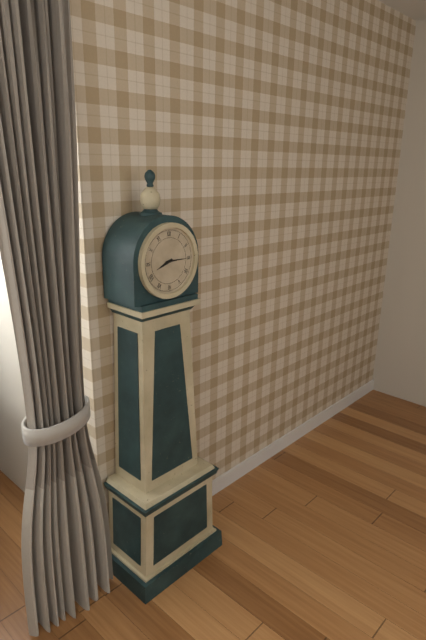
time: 8:15
